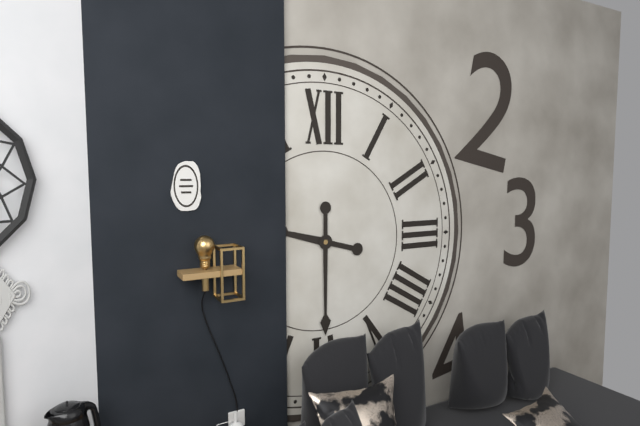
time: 9:30
